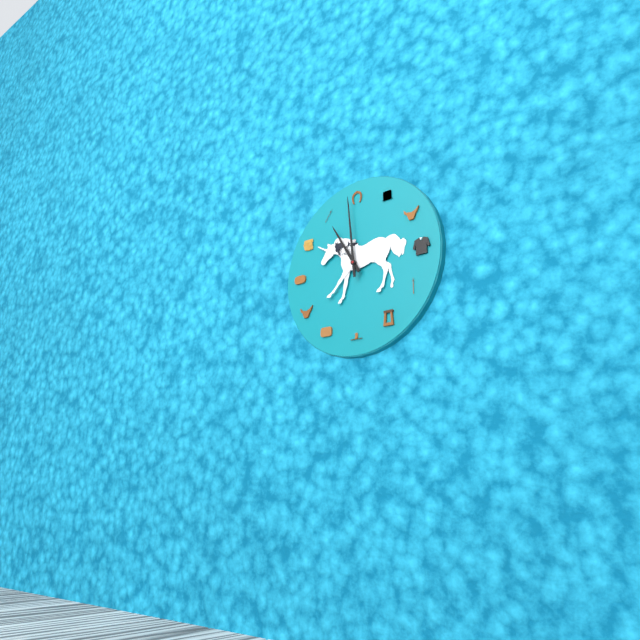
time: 10:59
